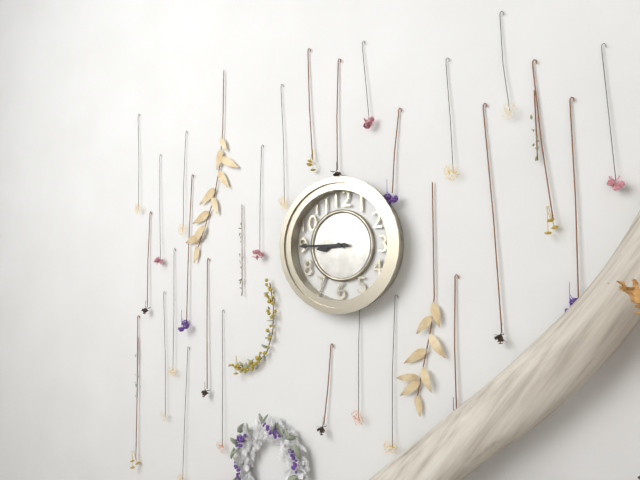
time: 8:45
